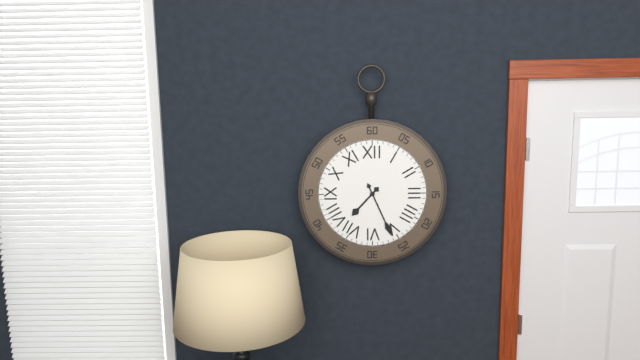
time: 7:26
